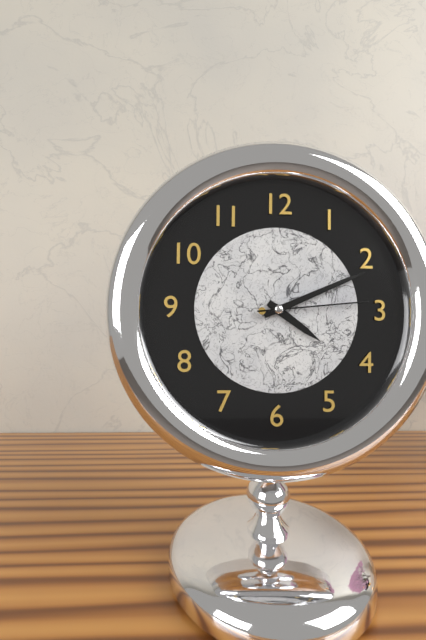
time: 4:11:14
